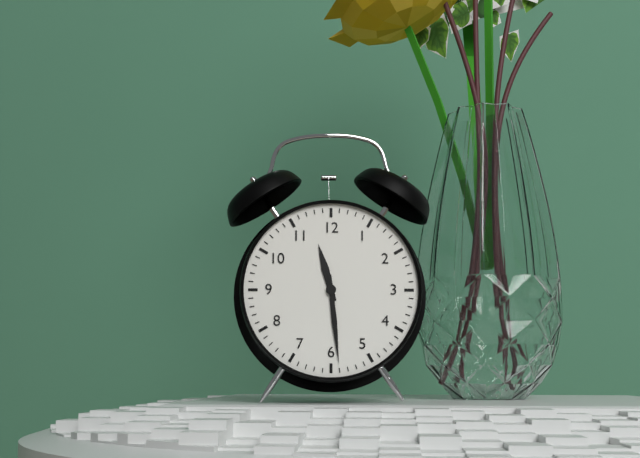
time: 11:29
